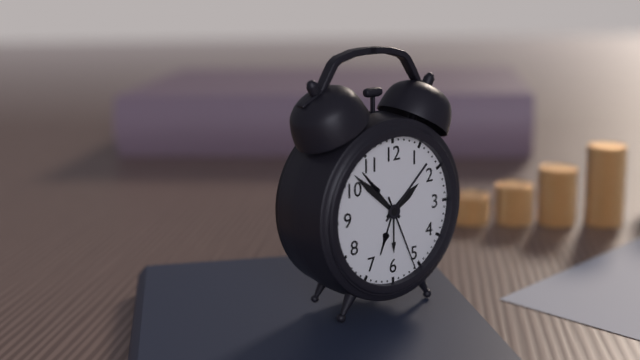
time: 1:52:26
